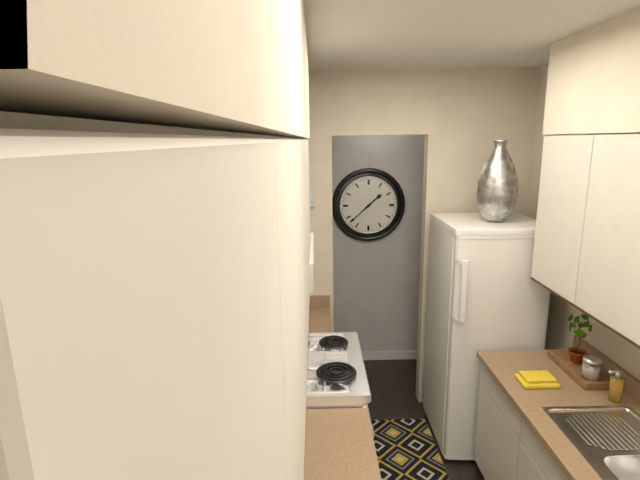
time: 1:38
